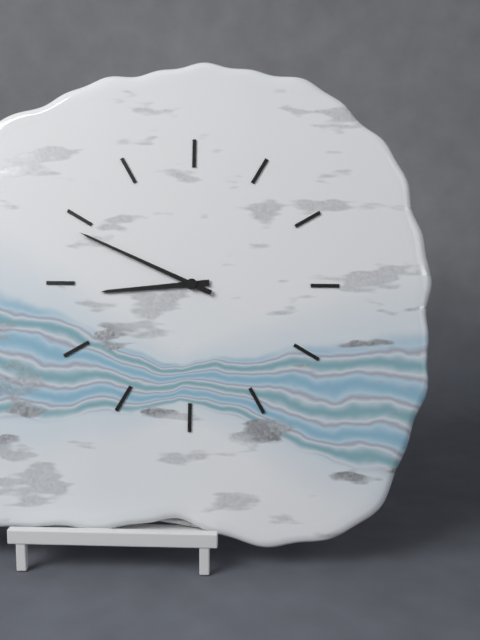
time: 8:49
